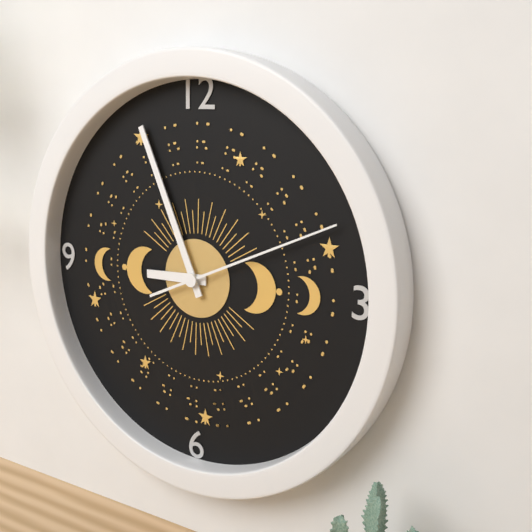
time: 8:56:11
